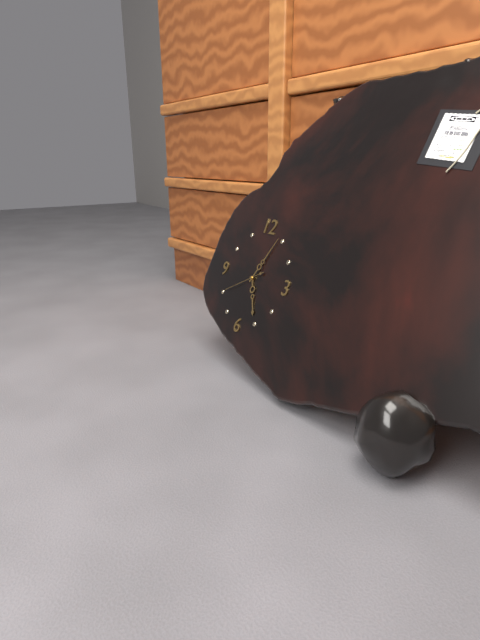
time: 5:04
